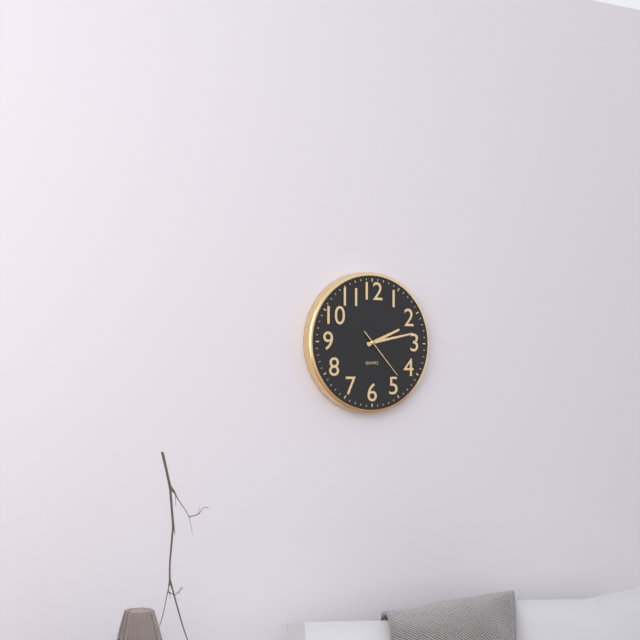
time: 2:13:23
